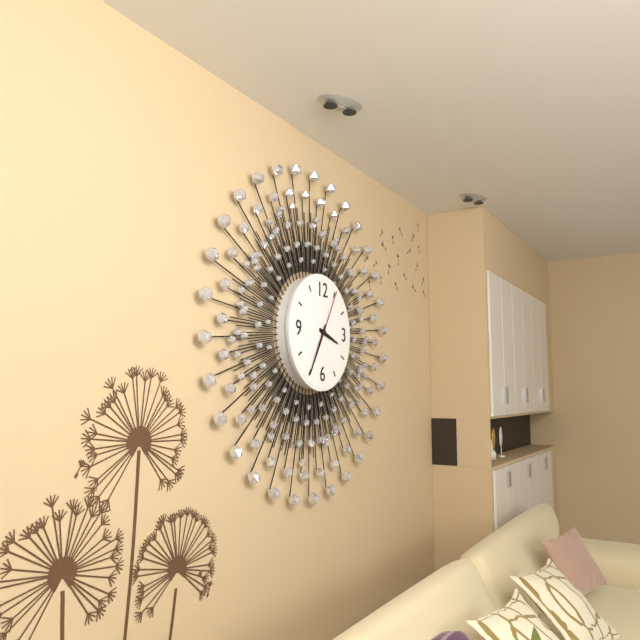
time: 3:35:05
